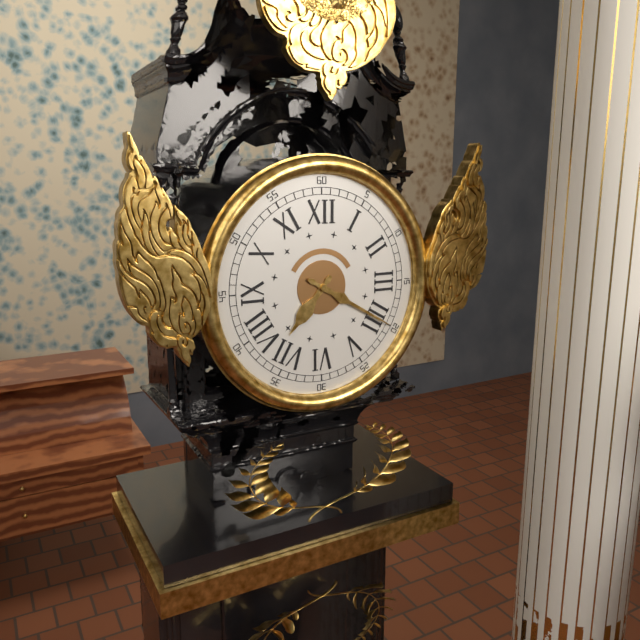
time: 7:20
